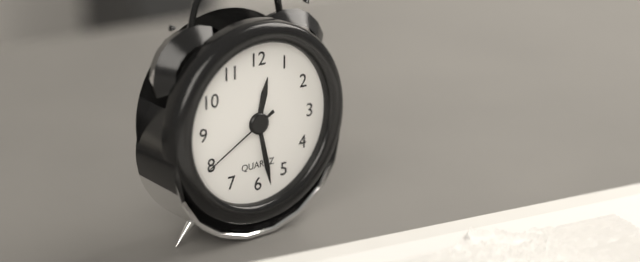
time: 12:28:40
